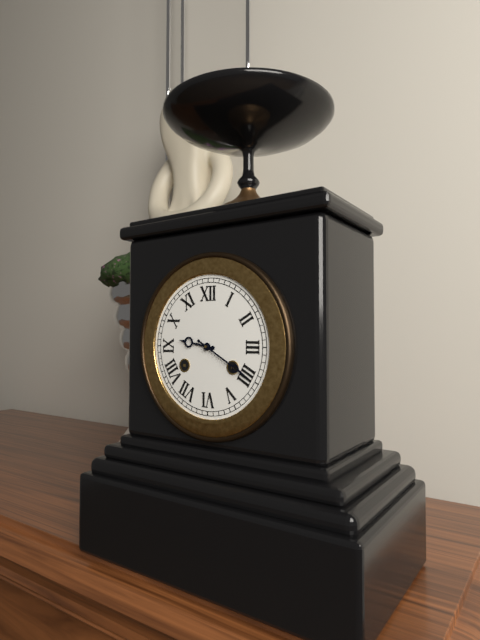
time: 9:20
